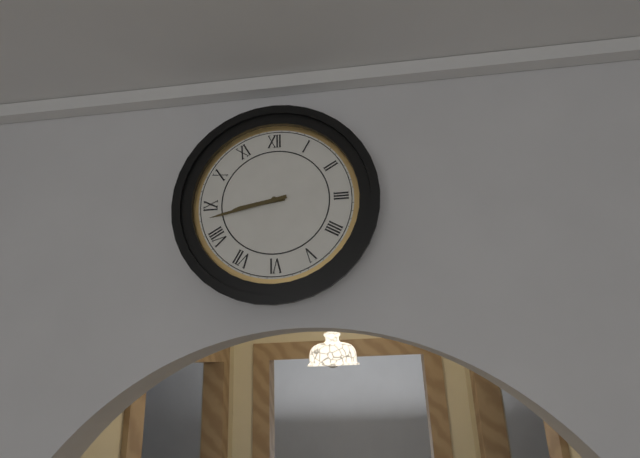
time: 8:43
